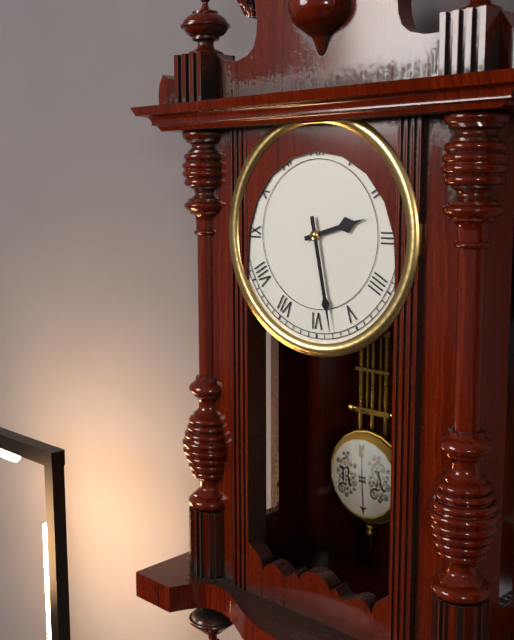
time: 2:28
